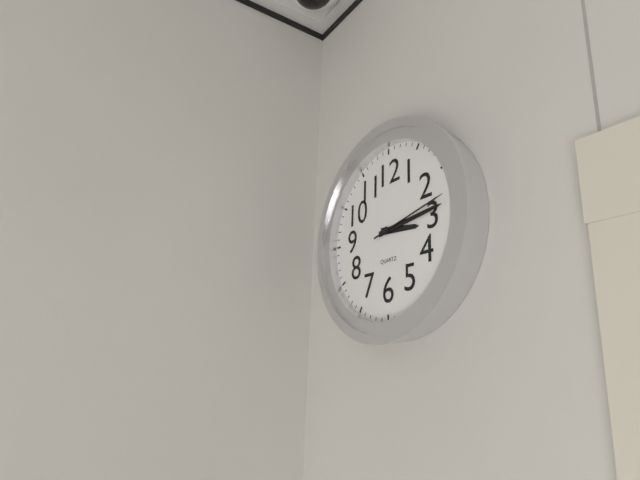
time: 3:14:13
